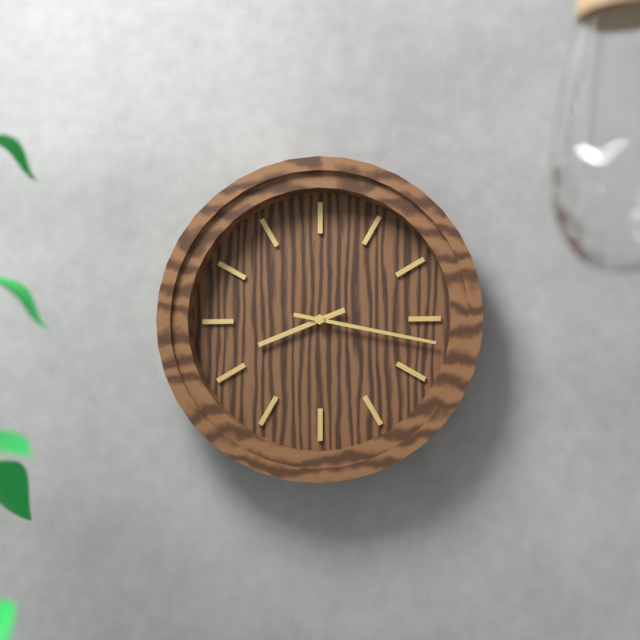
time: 8:17
